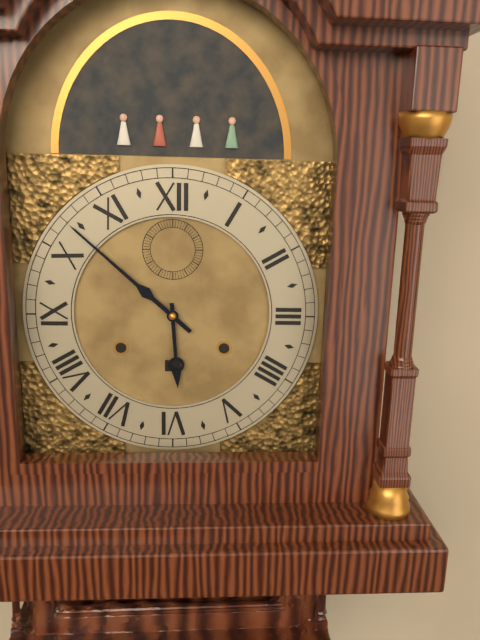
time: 5:52
